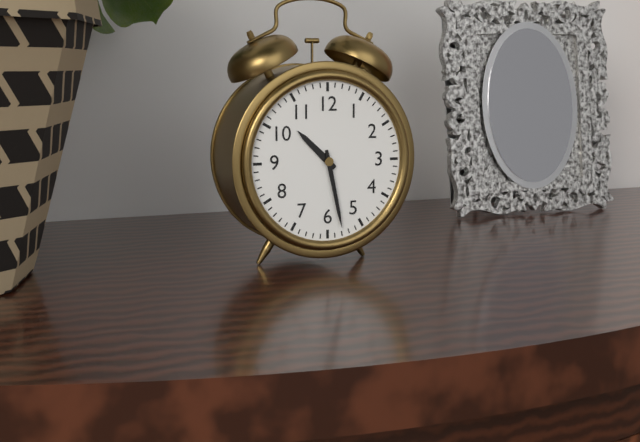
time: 10:28
